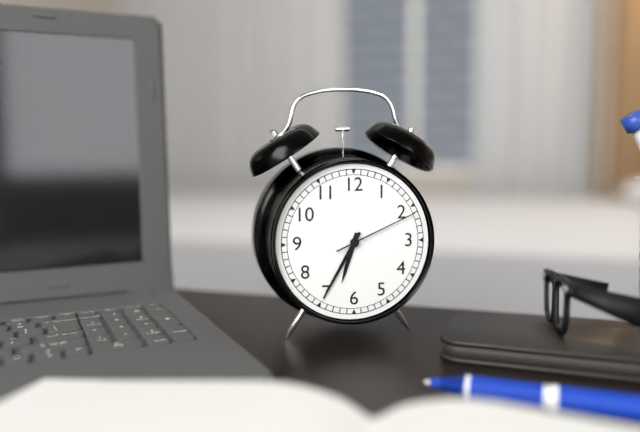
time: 6:35:11
